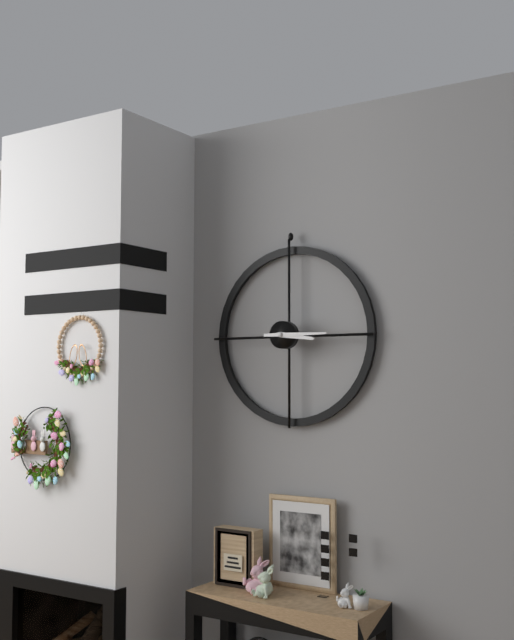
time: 3:15
